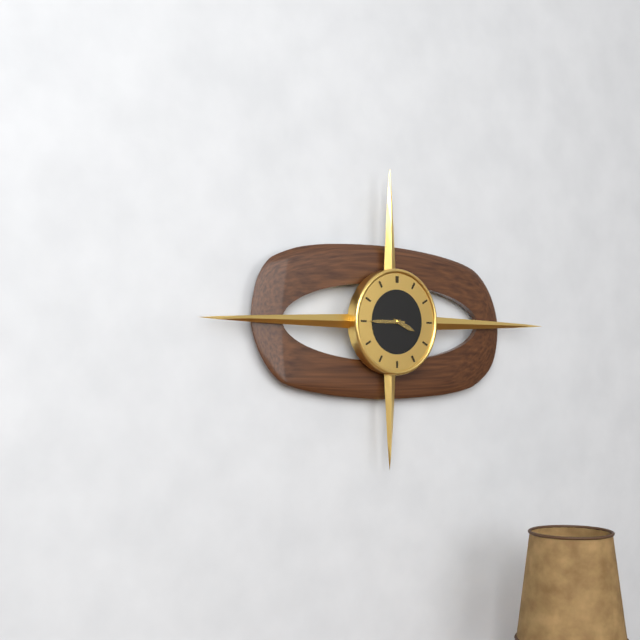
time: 3:45
